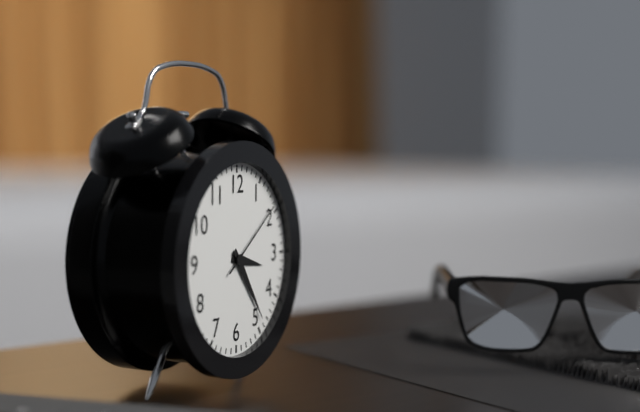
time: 3:24:09
